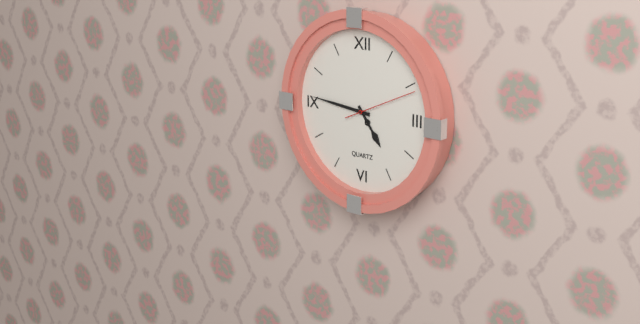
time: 4:46:11
